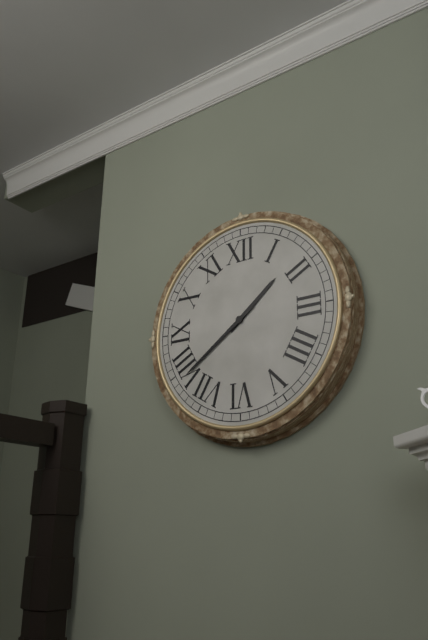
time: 1:39
